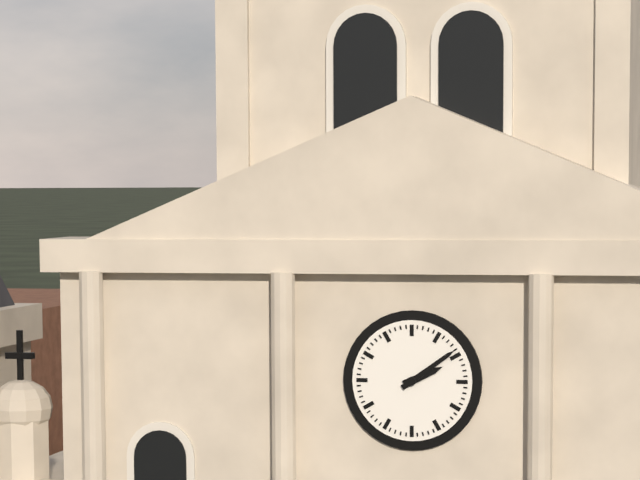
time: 2:09
